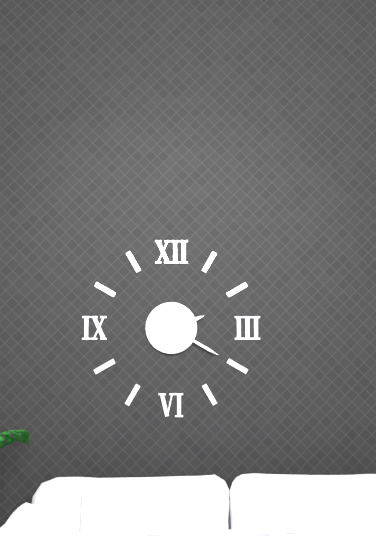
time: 2:20
